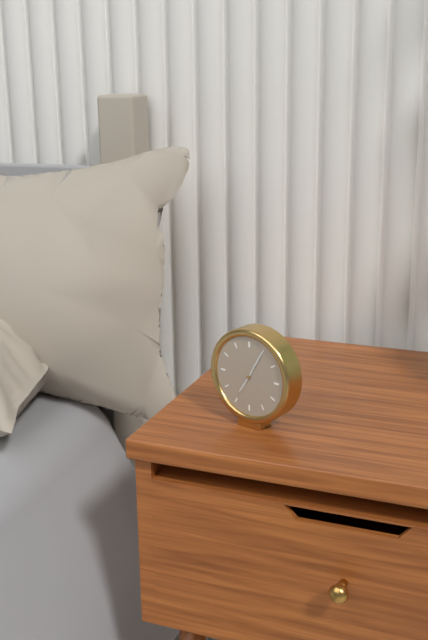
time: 7:05
